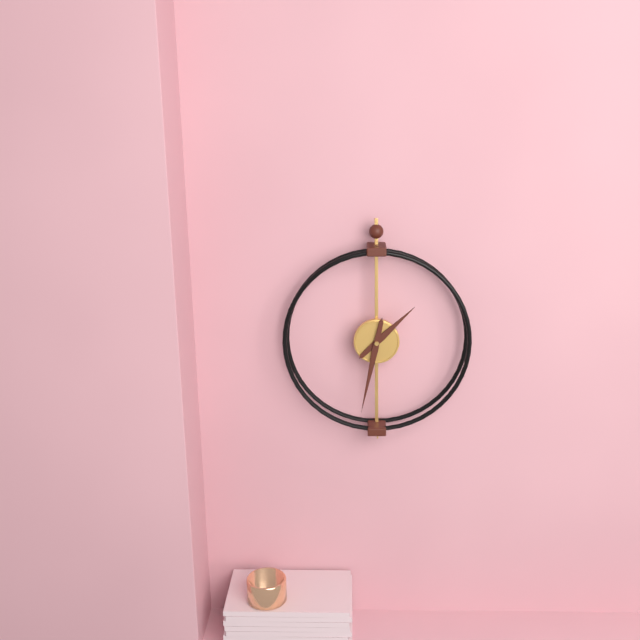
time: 1:32
